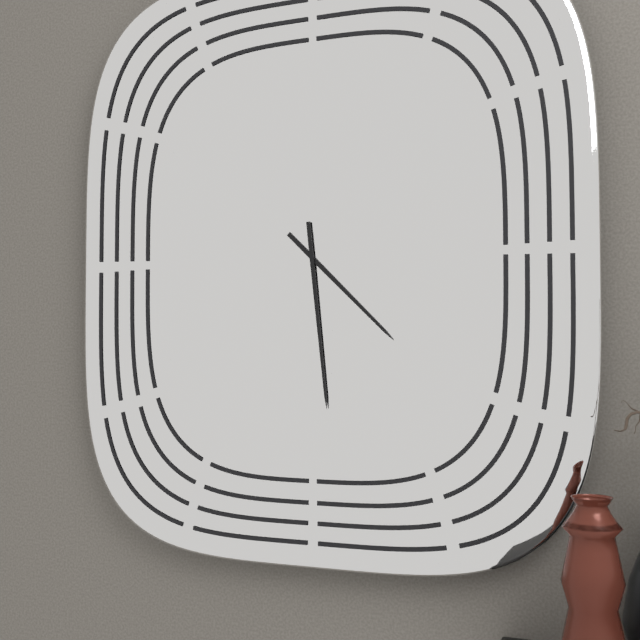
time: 4:29
